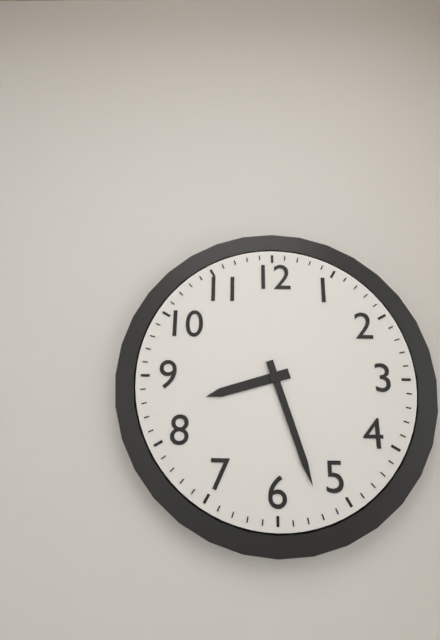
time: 8:27
